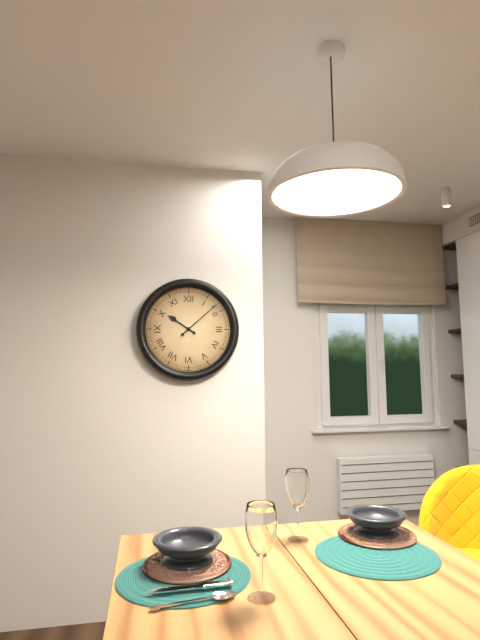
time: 10:08
